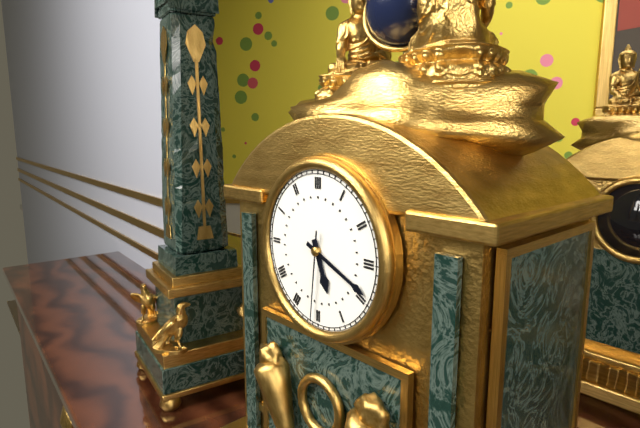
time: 5:19:31
